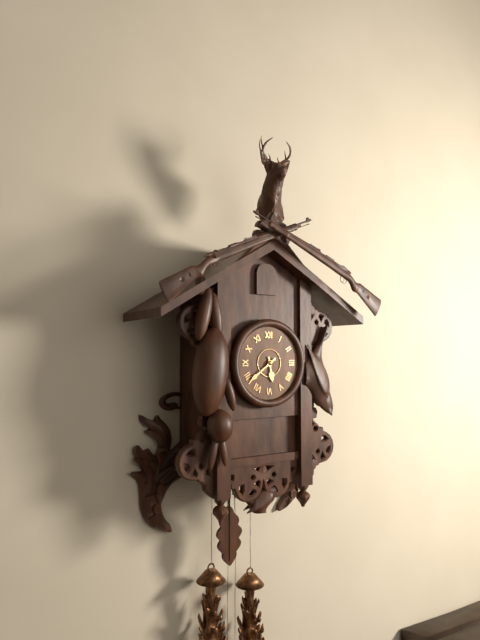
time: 5:39
